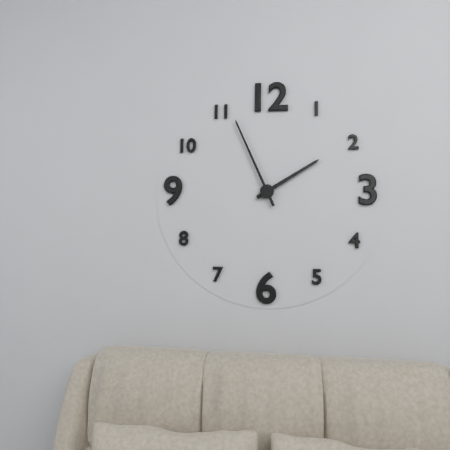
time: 1:56
